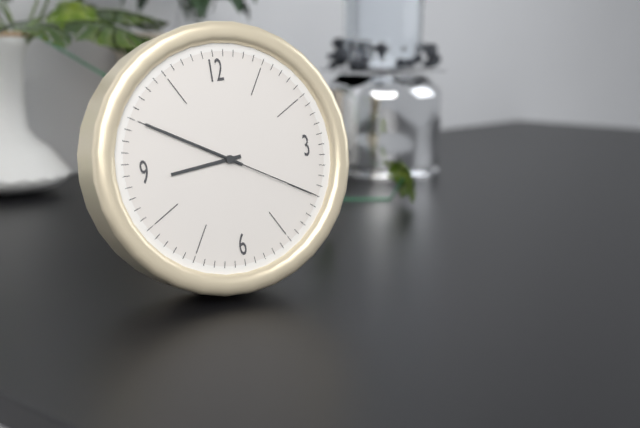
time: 8:50:20
